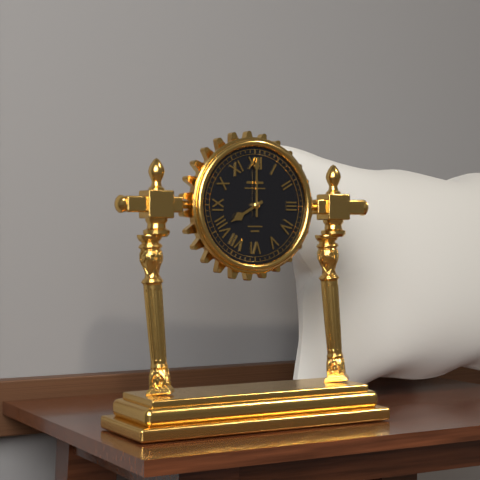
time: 8:00
